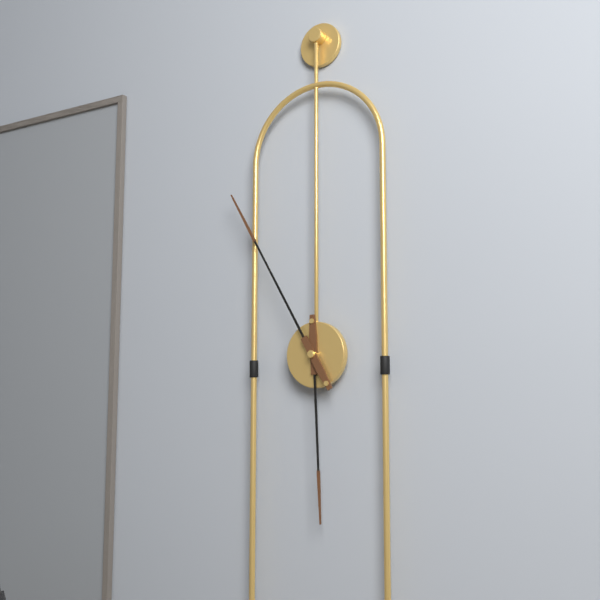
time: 5:55
